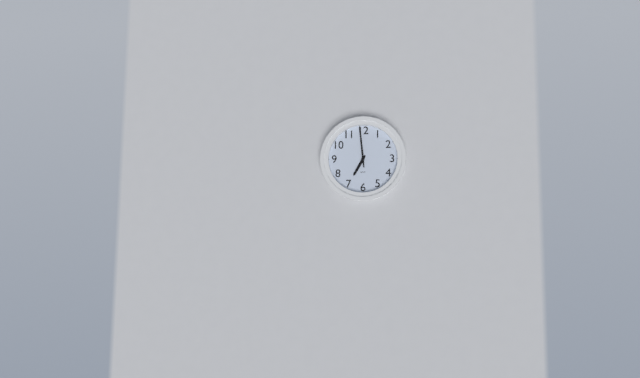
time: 6:59
